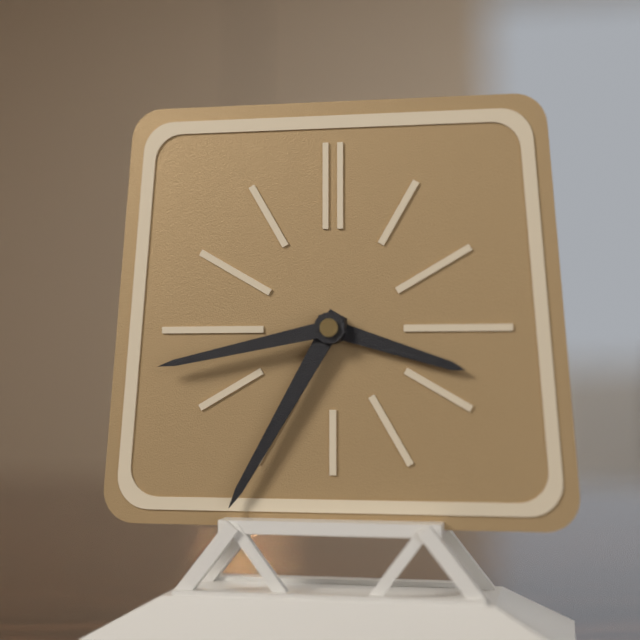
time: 3:35:43
